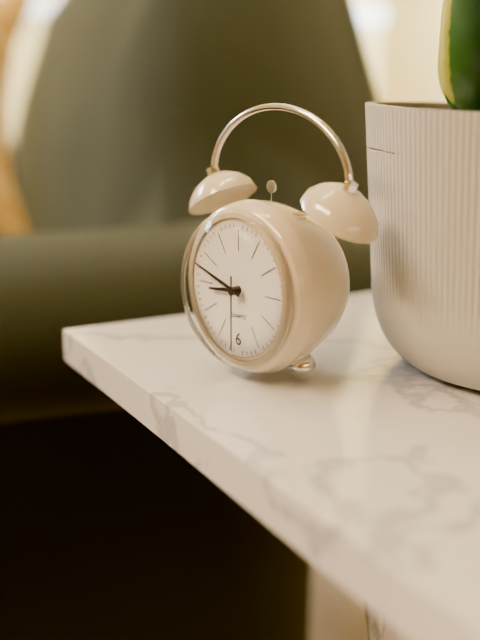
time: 8:48:30
